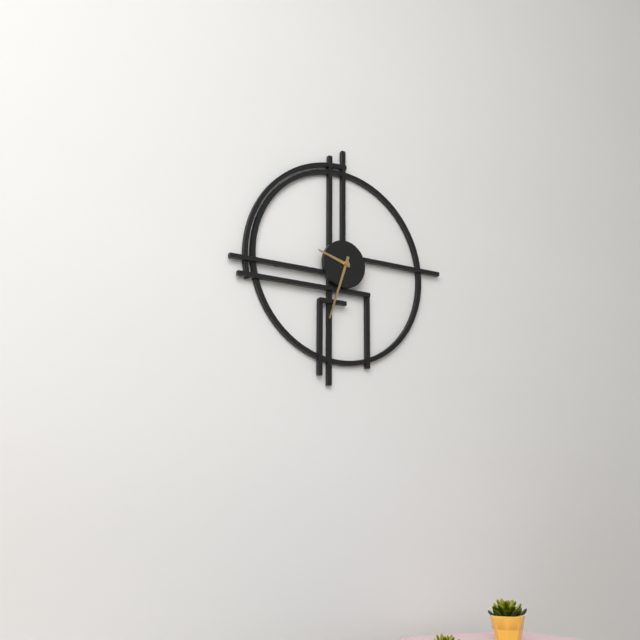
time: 9:33
